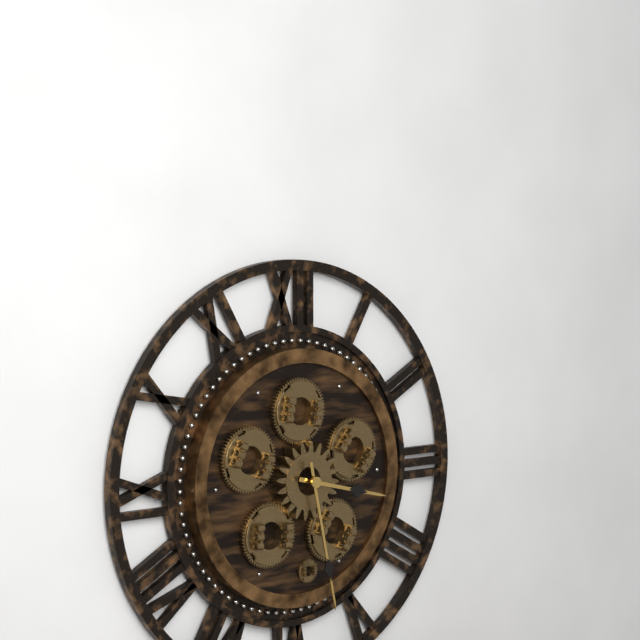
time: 3:28
